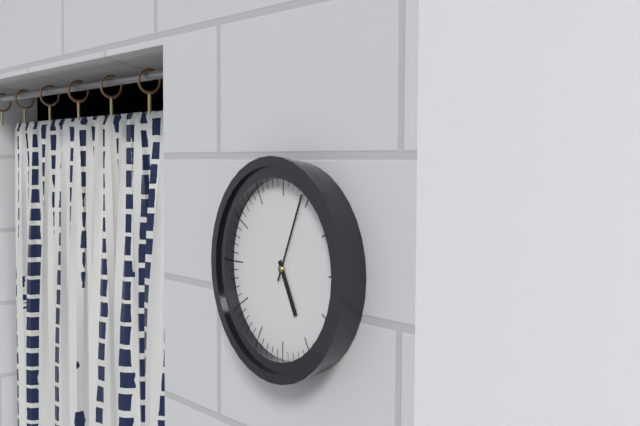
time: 5:04
